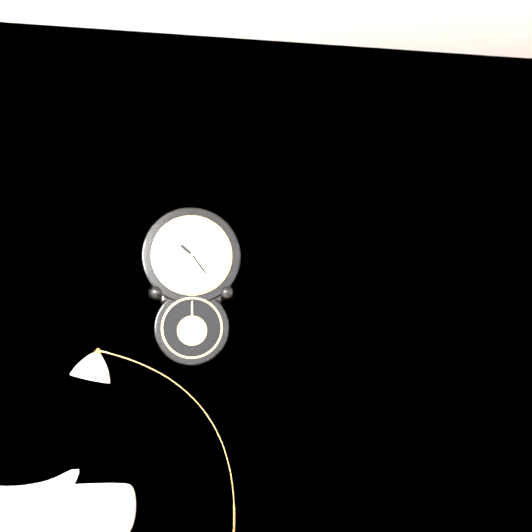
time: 10:24
